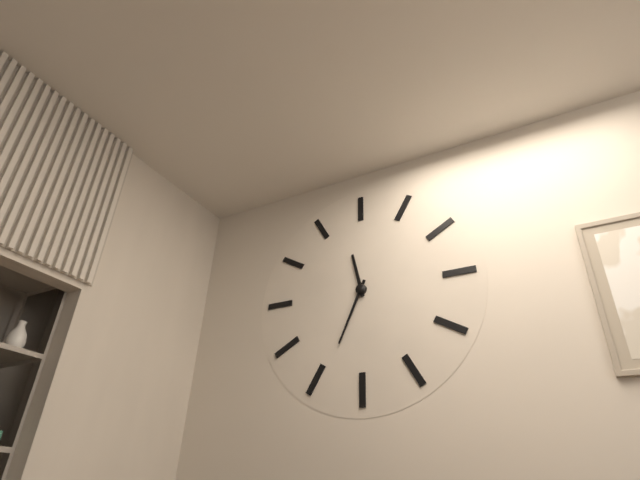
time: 11:34
